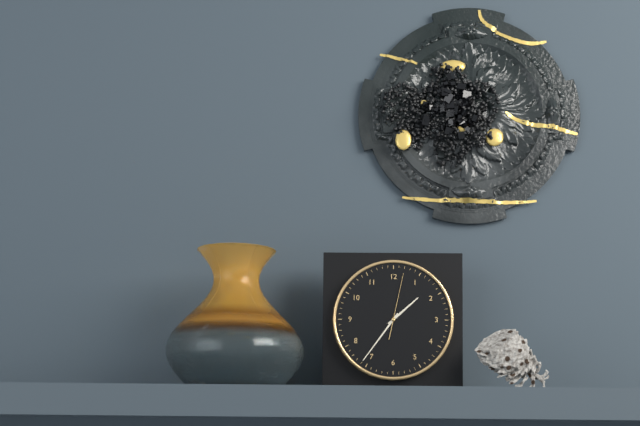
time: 1:36:02
